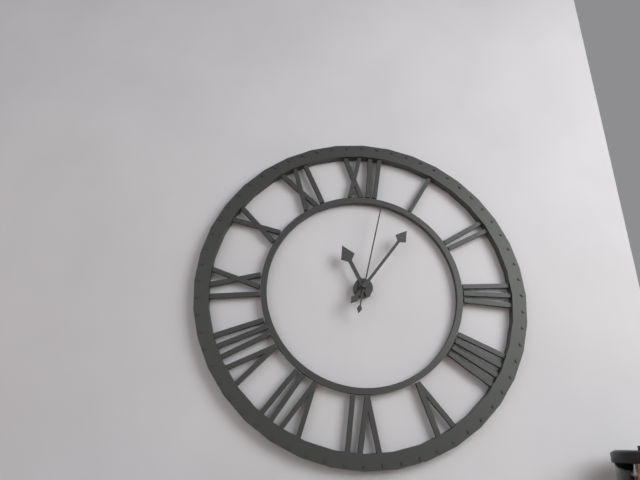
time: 11:06:02
